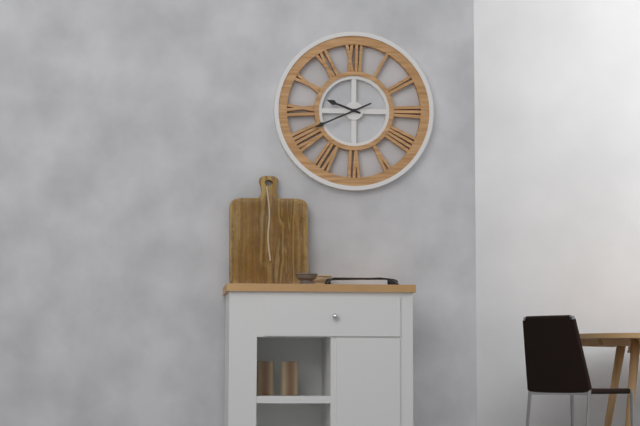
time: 9:41
